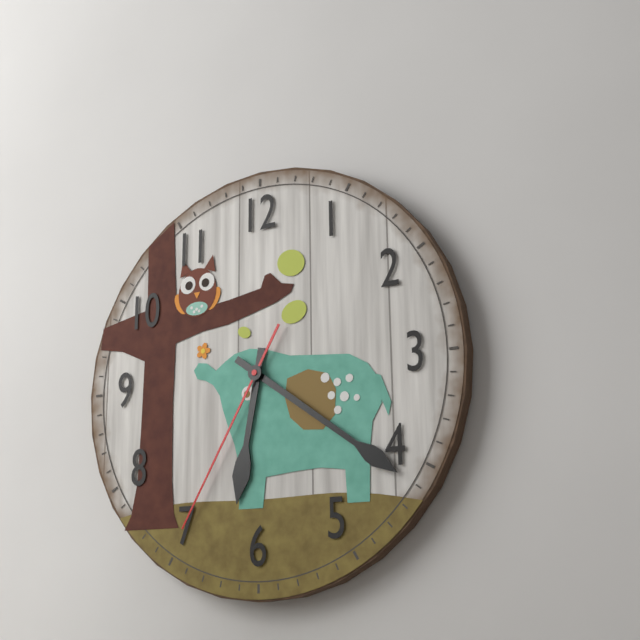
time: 6:21:35
